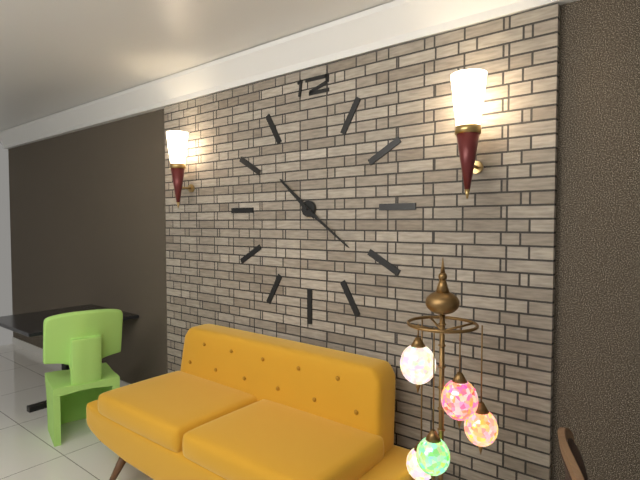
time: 10:21
